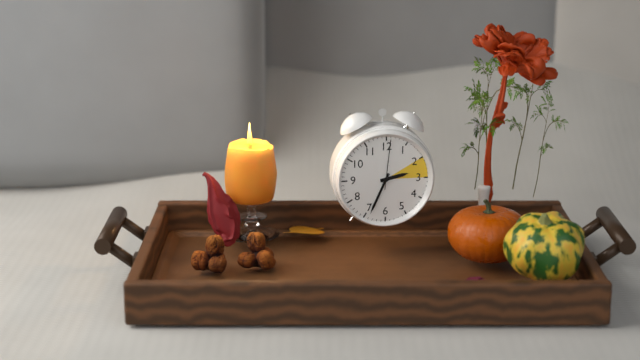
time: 2:34:01
